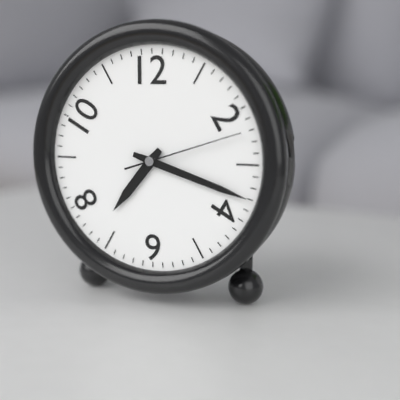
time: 7:18:12
